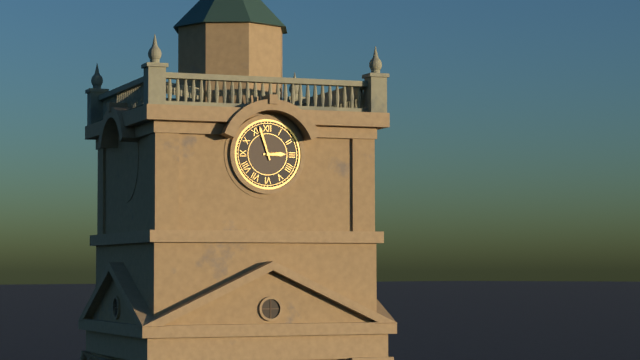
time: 2:57
